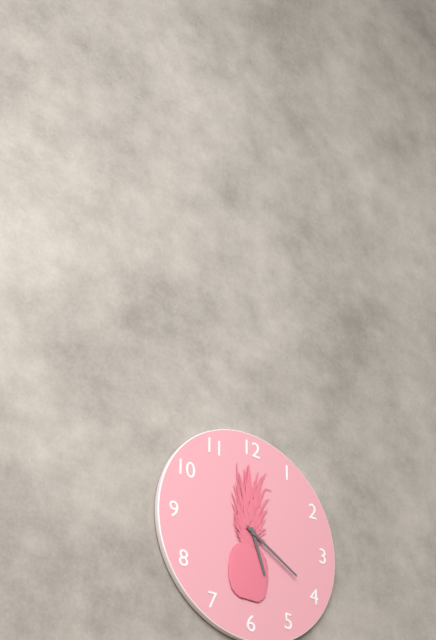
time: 5:20
